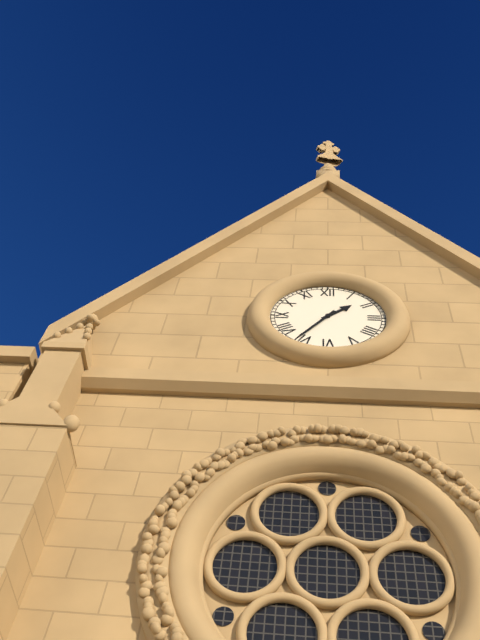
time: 1:36
